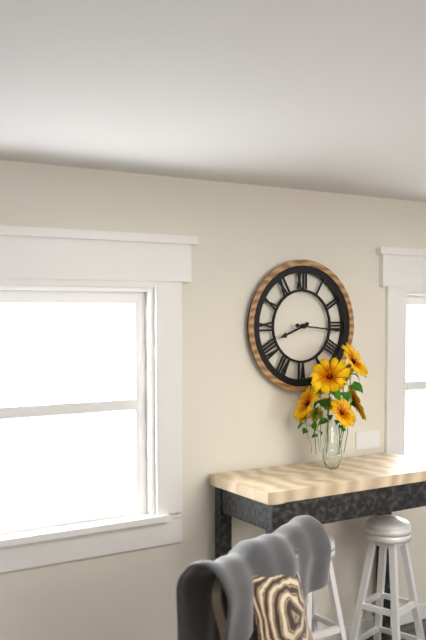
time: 8:16
